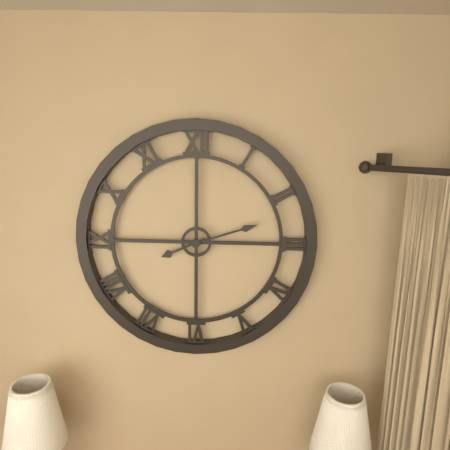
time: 8:12
